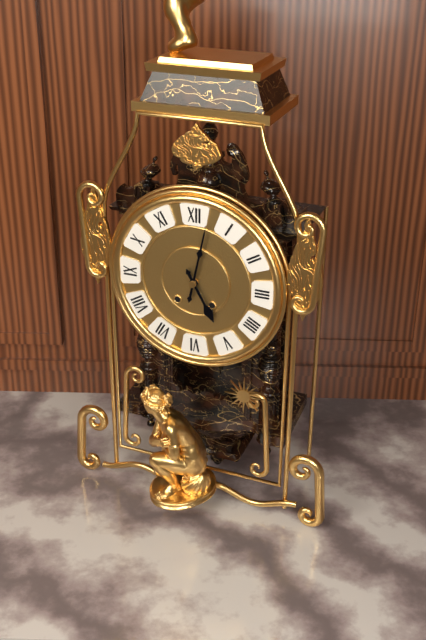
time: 5:02
